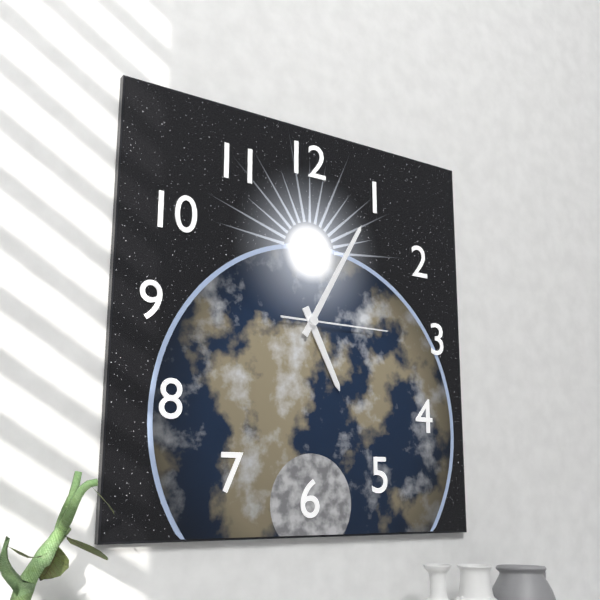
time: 5:05:15
